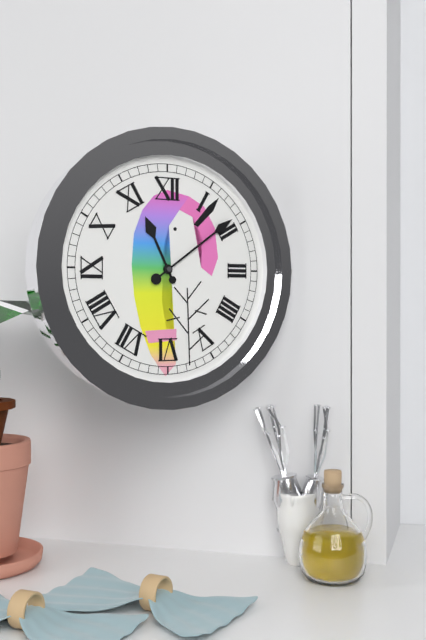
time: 11:09
